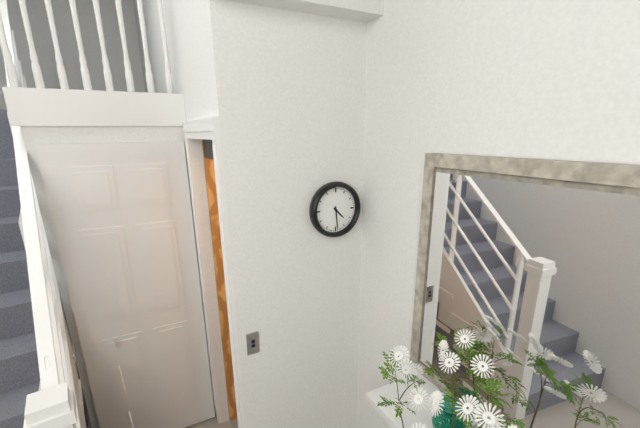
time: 4:29
